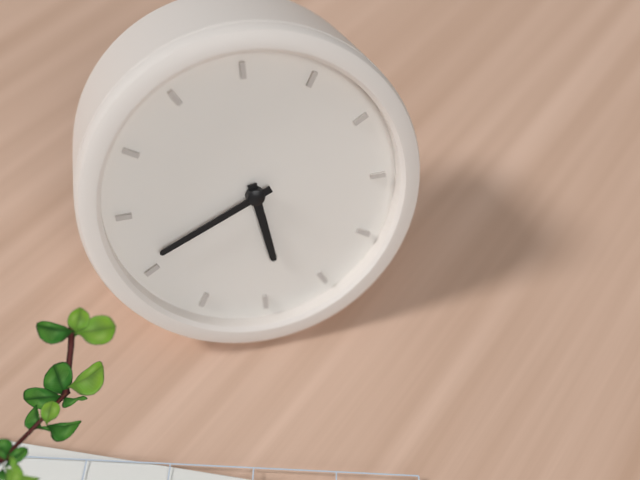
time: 5:41
